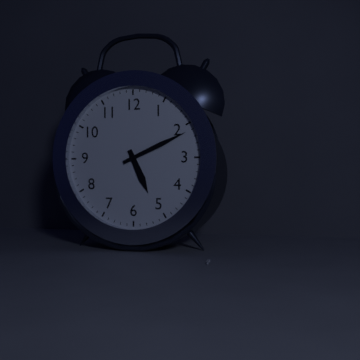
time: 5:11
